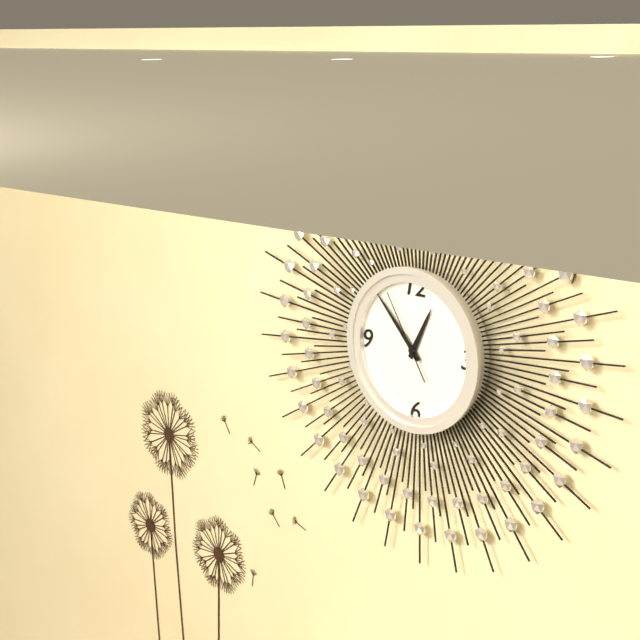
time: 12:53:55
